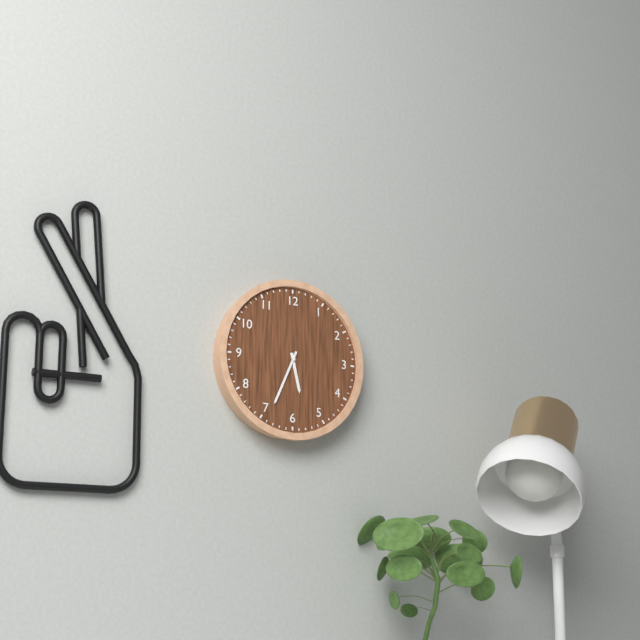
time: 5:34
